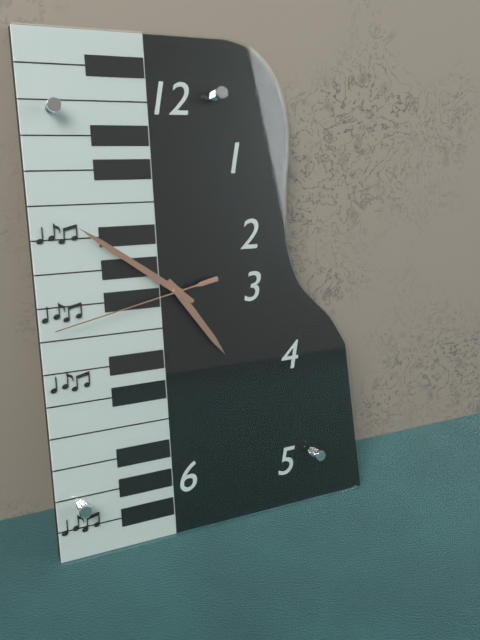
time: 4:51:43
